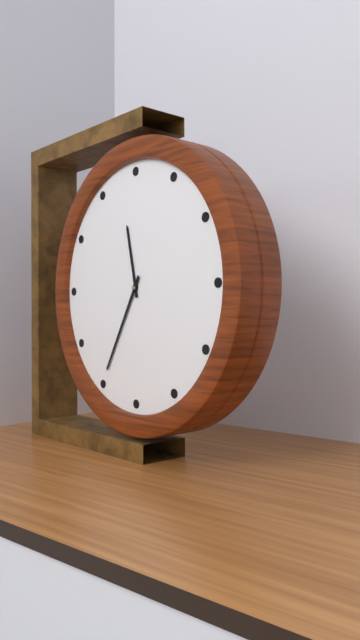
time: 11:35
